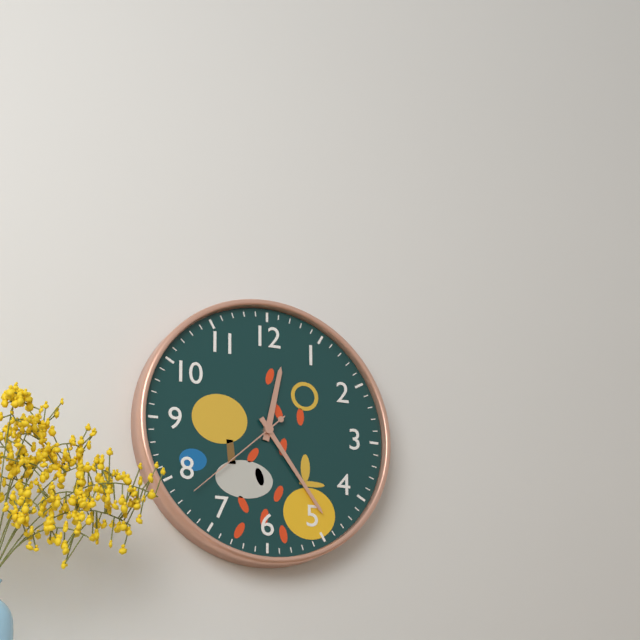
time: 12:24:38
